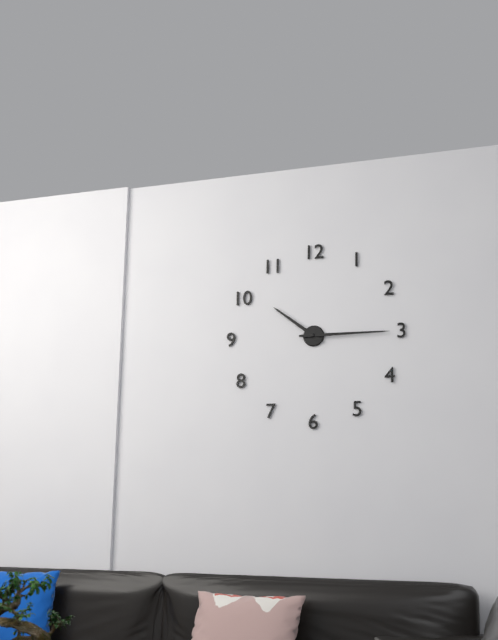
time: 10:15
